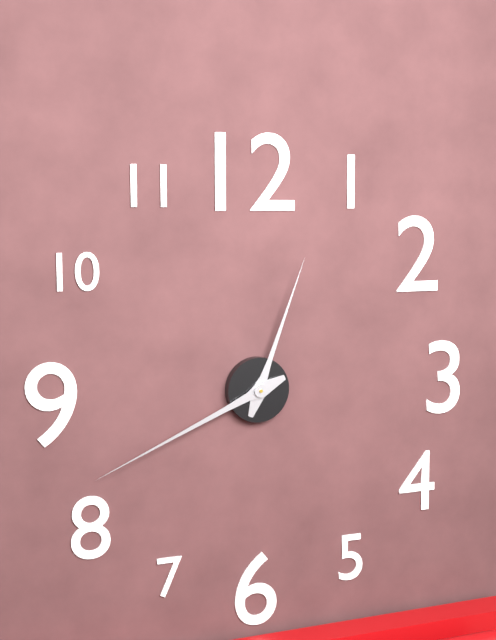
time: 12:41
